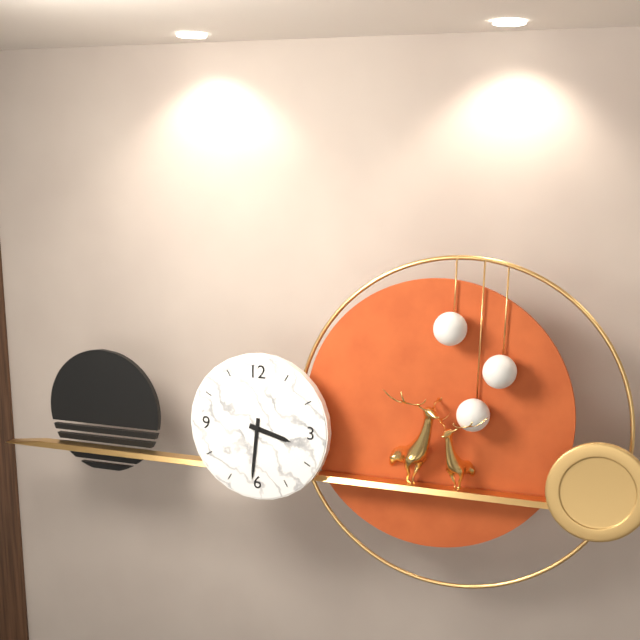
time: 3:31
